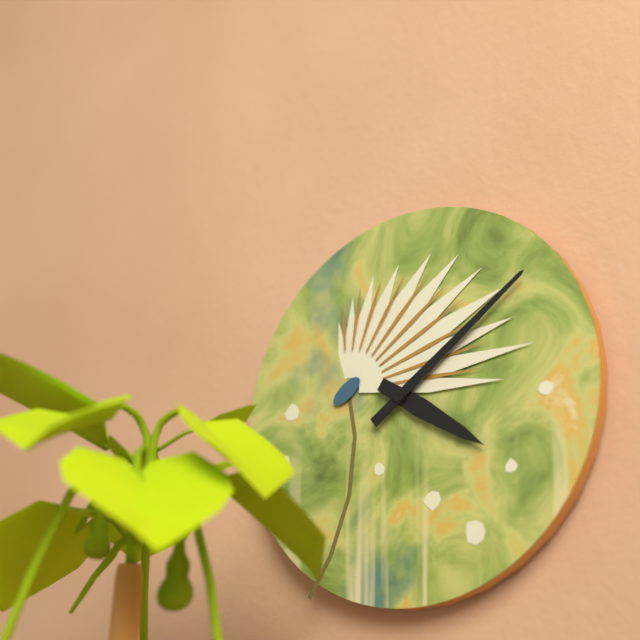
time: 4:09
